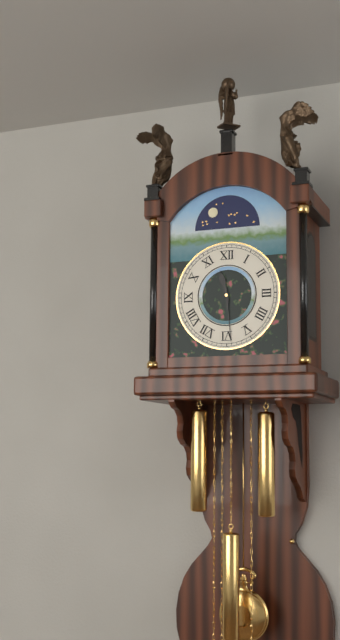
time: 11:29
